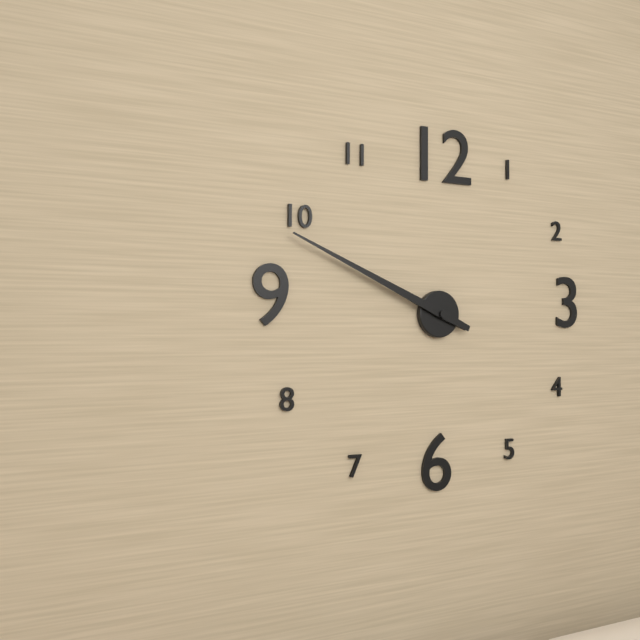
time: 9:49
